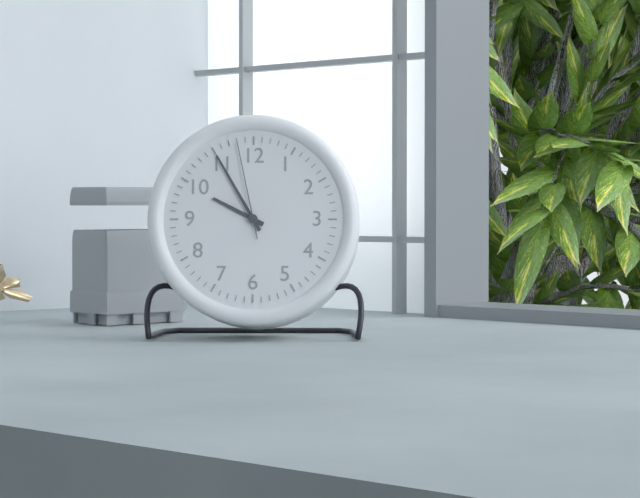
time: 9:55:58
